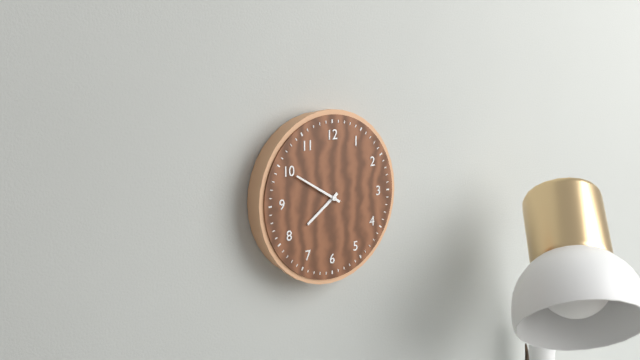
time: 7:50
